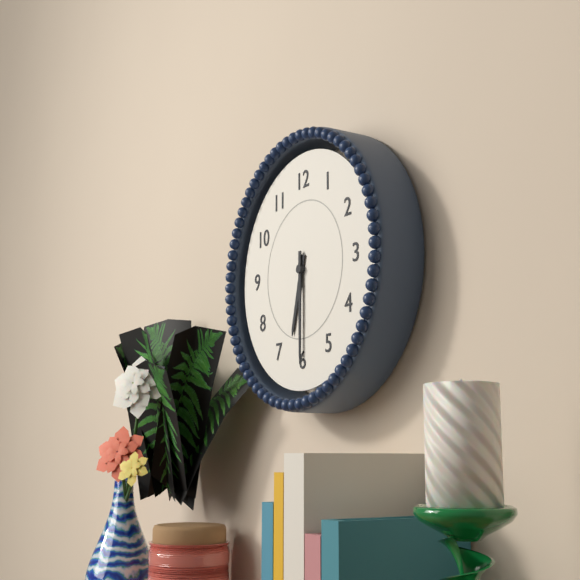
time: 6:30
